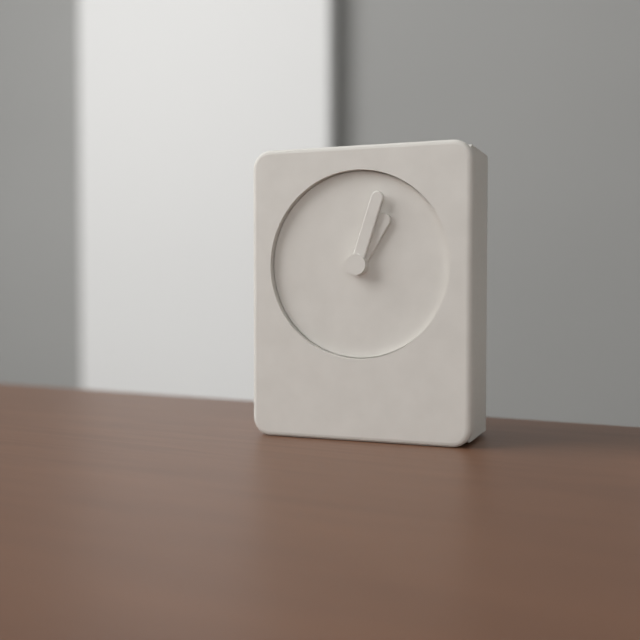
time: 1:03
